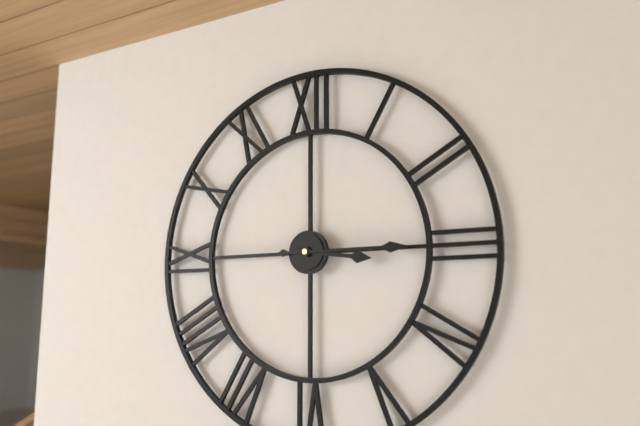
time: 3:15
